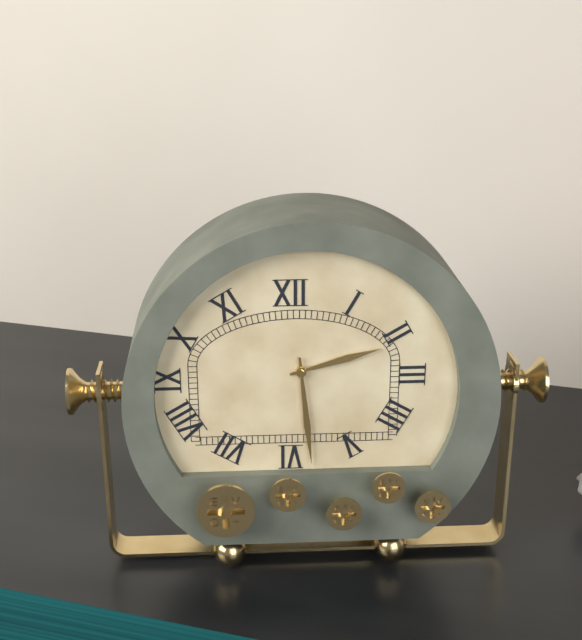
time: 2:29
